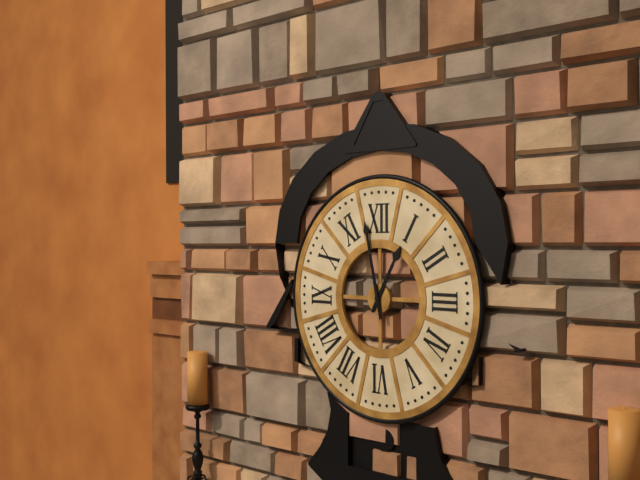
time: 12:58
